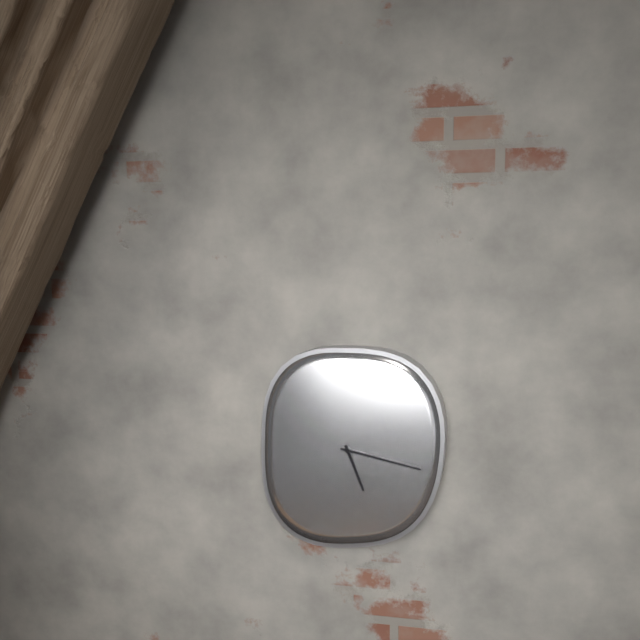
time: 5:17
